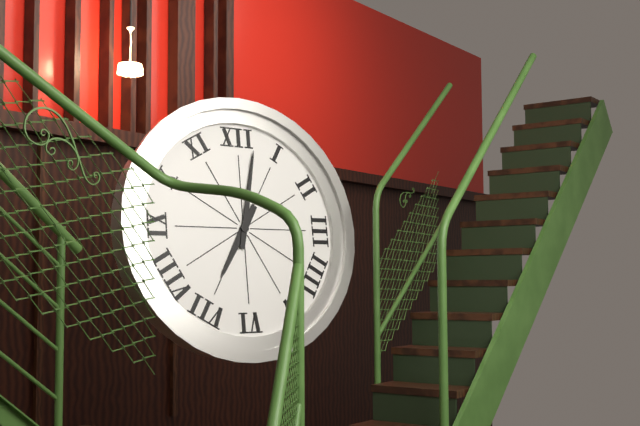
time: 7:02
